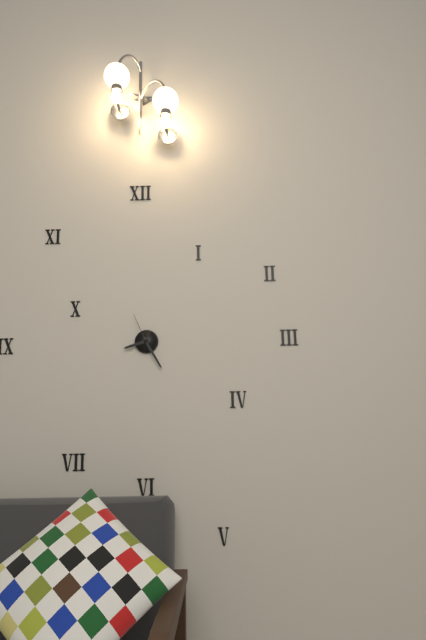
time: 8:25
